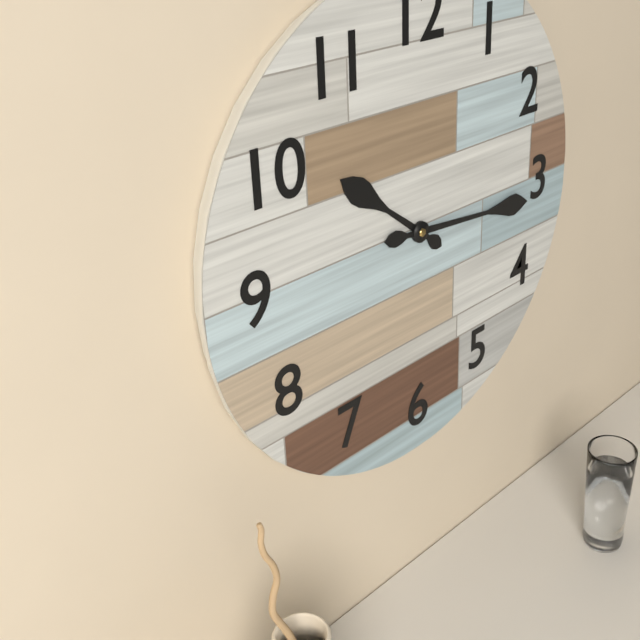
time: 10:16
